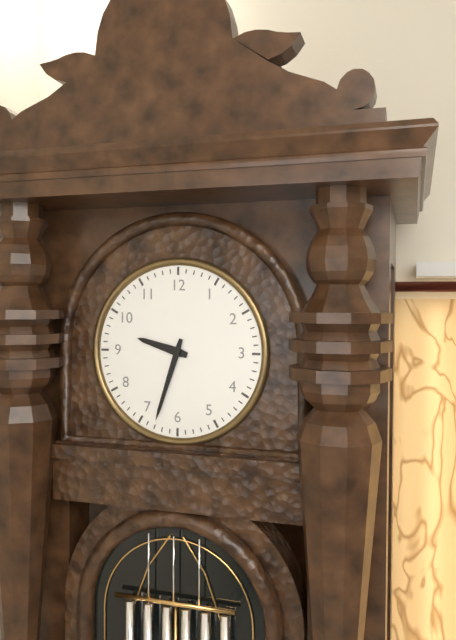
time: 9:33
